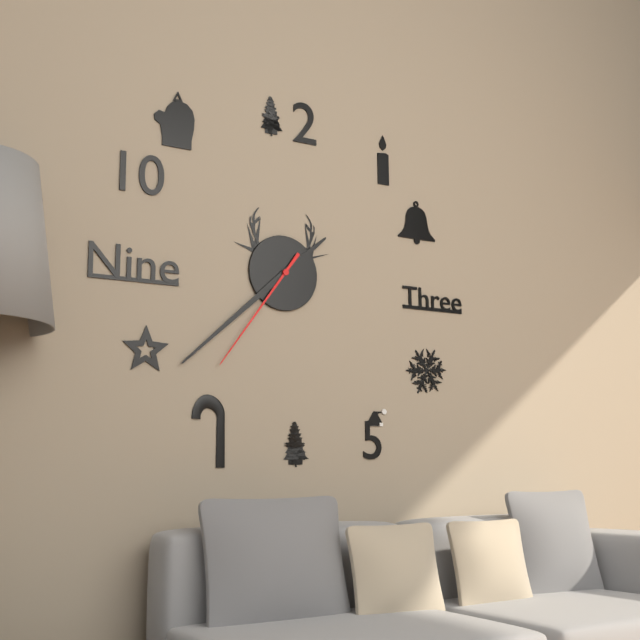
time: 1:38:36
